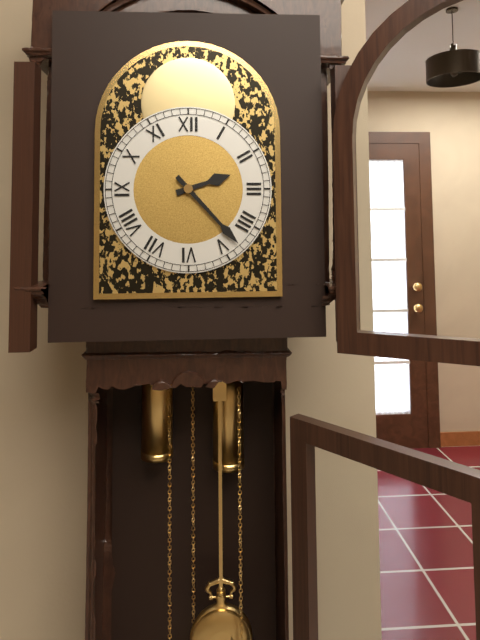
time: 2:23
